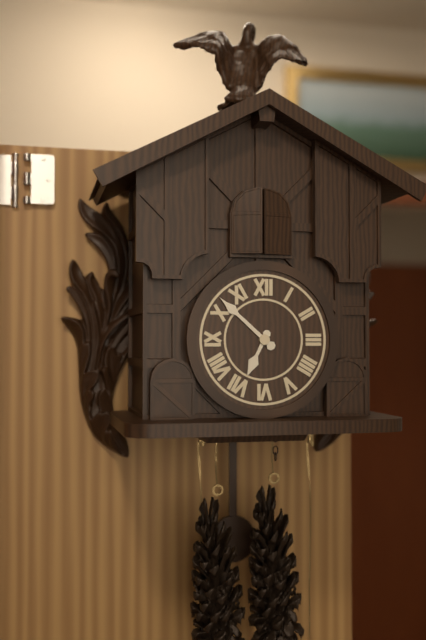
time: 6:52
